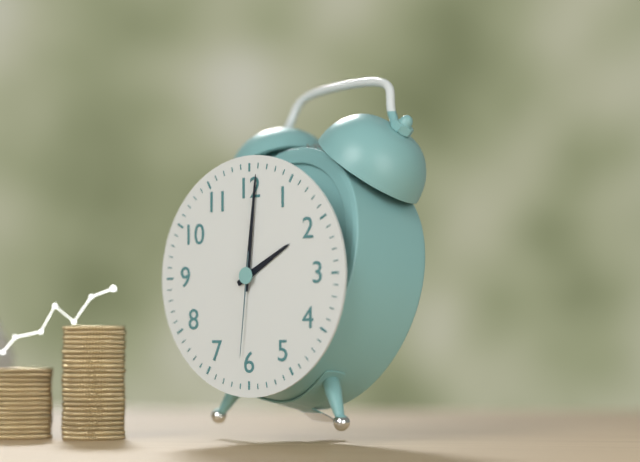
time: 2:01:31
